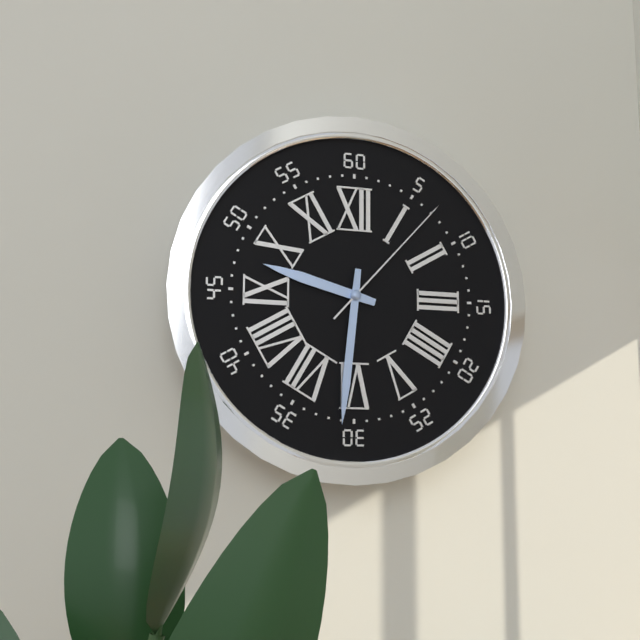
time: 9:31:07
